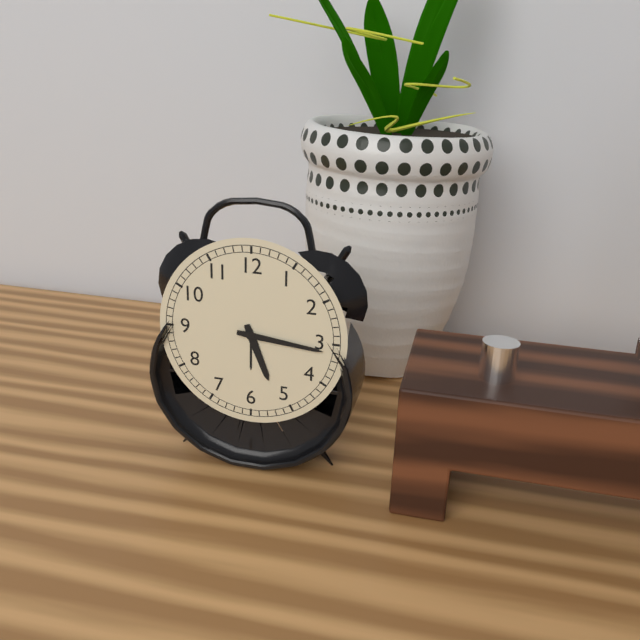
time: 5:16
